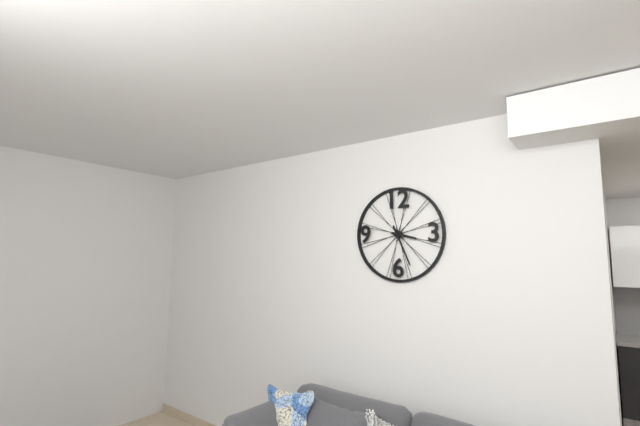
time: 3:26
